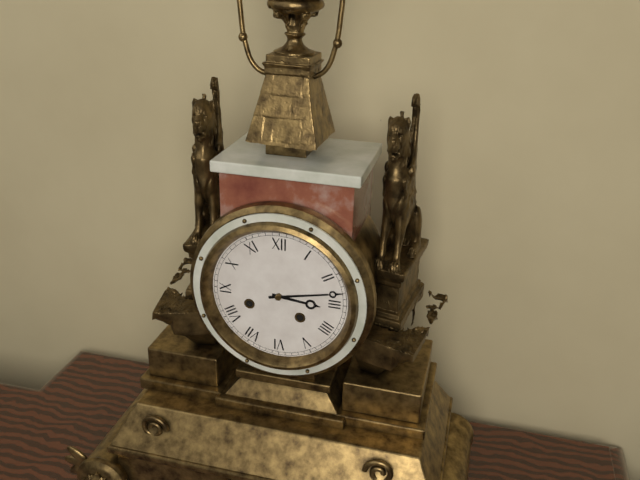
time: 3:13
